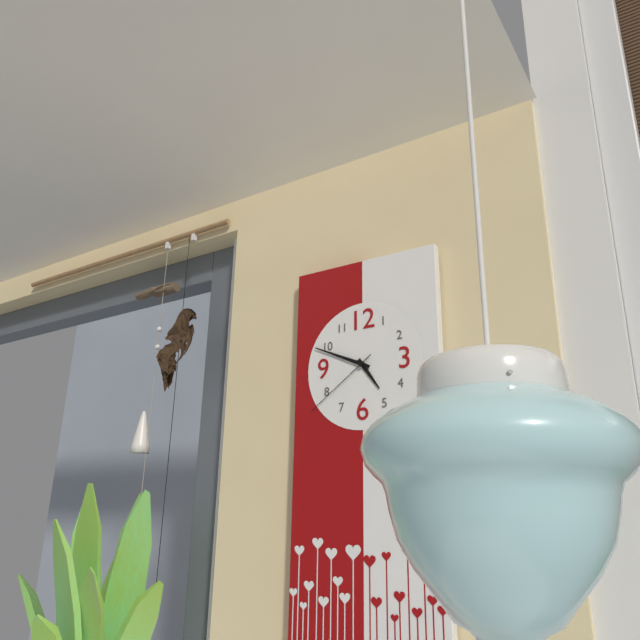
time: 4:49:39
